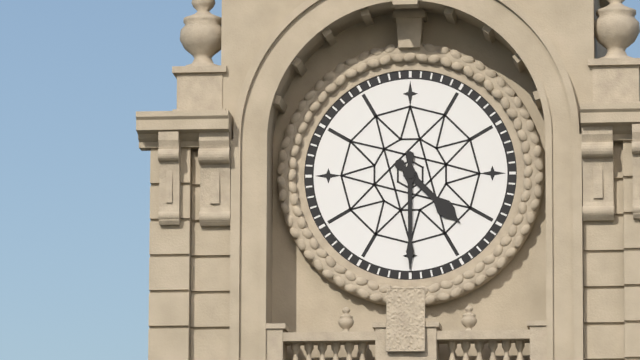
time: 4:30
